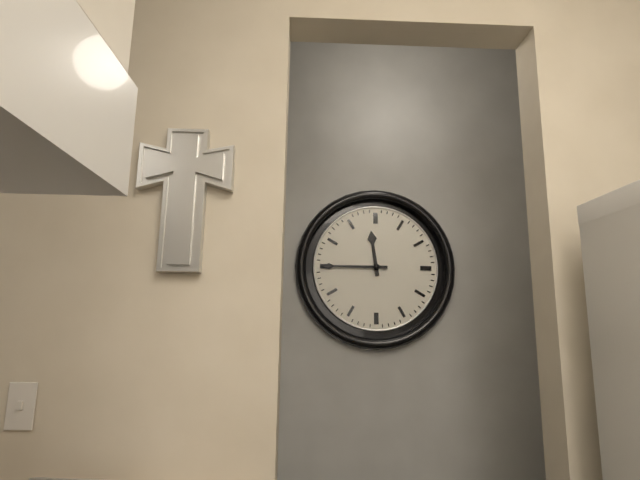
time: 11:45
